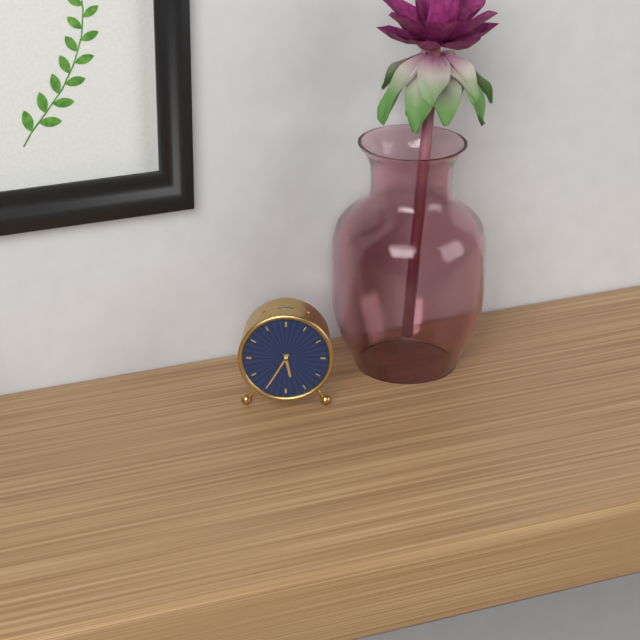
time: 5:35
